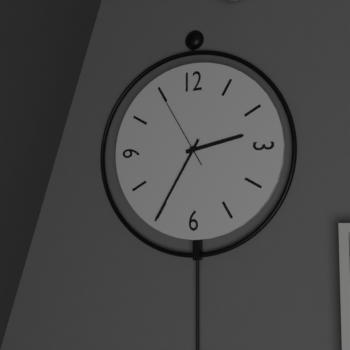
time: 2:35:55
